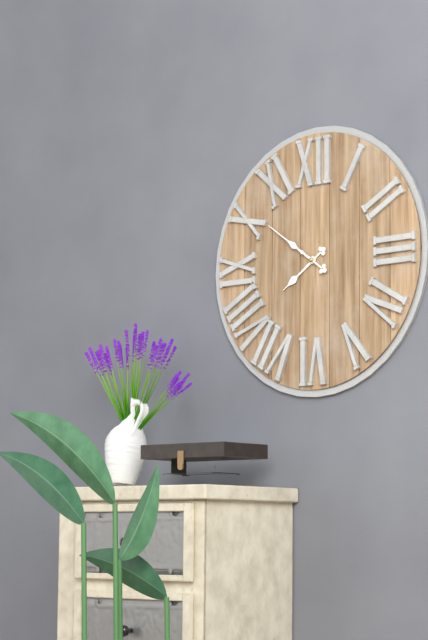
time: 7:51
